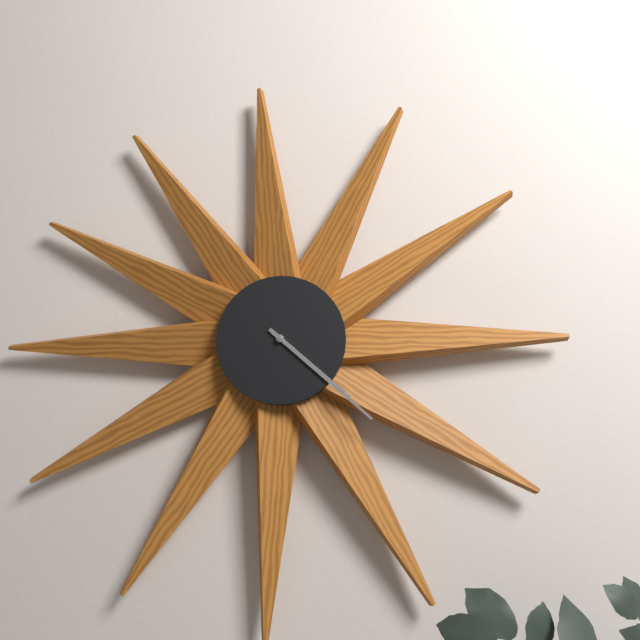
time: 4:22
